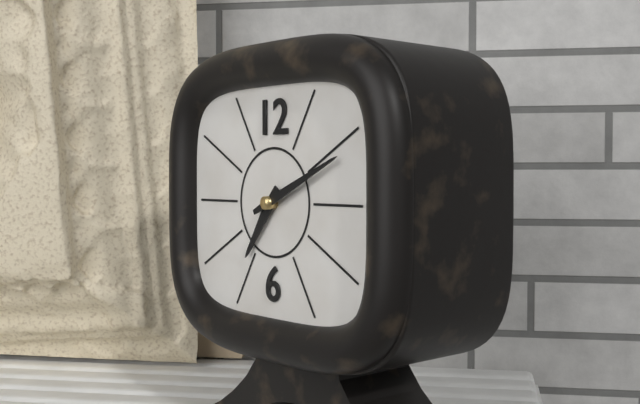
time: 7:11
